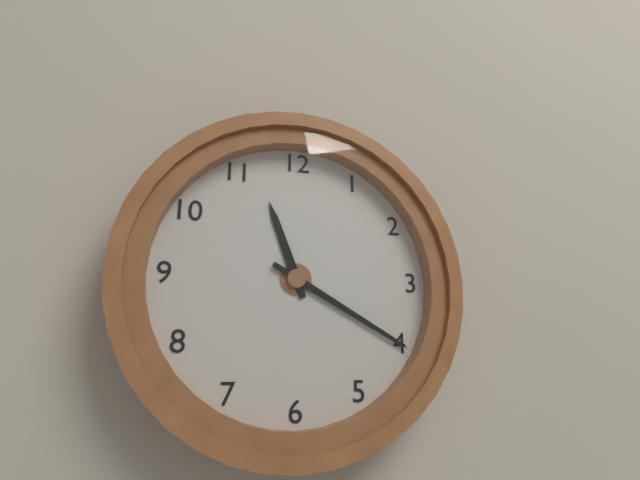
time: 11:20
